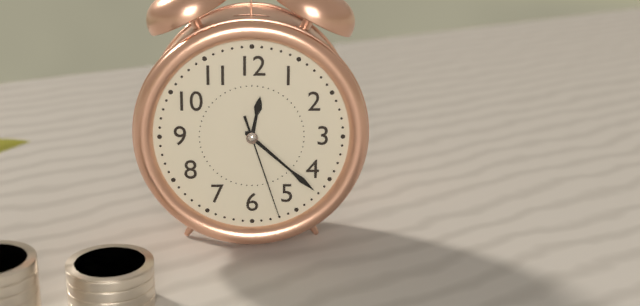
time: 12:22:27
